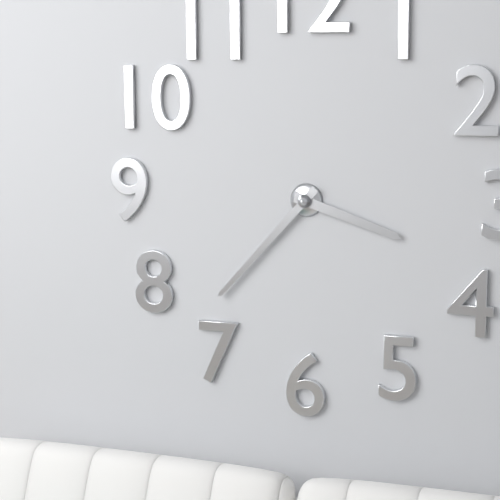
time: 3:37
